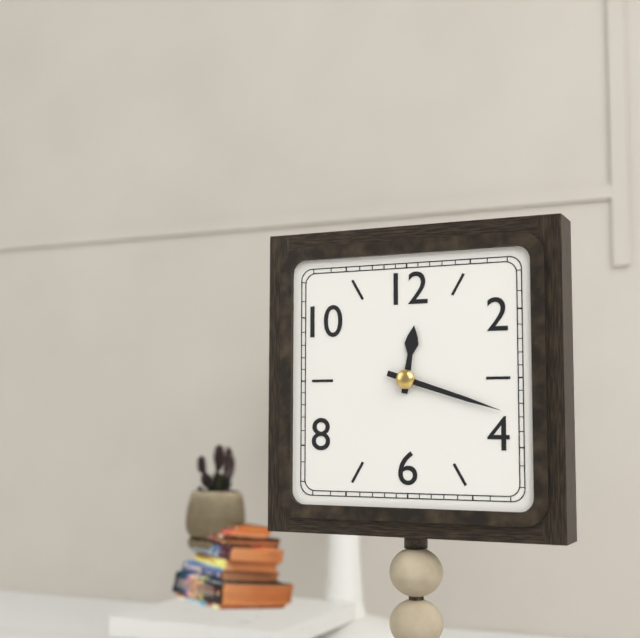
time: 12:18
